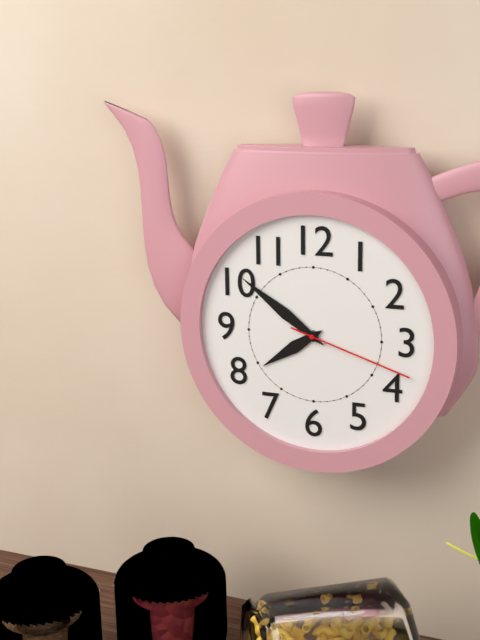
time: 7:51:18
